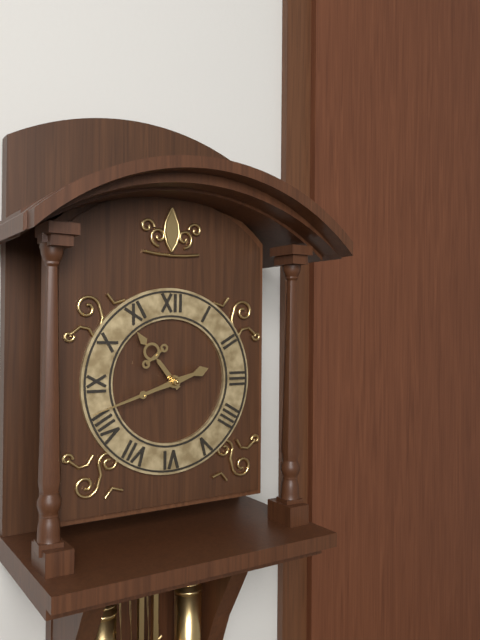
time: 10:42
